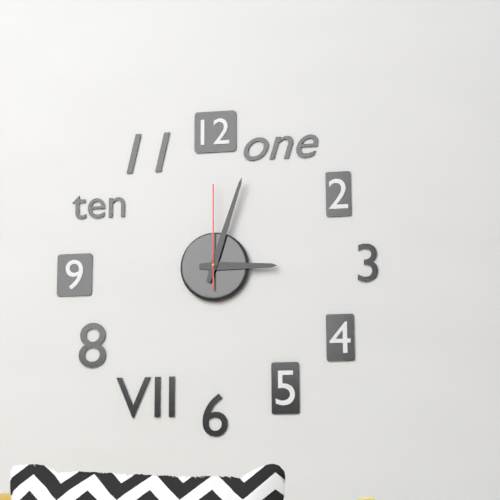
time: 3:03:00
